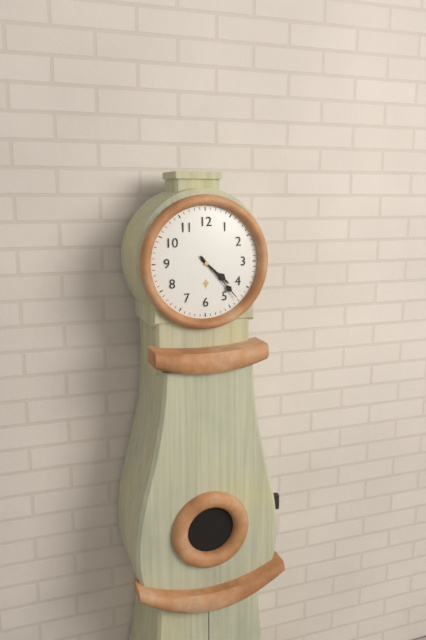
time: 4:23
